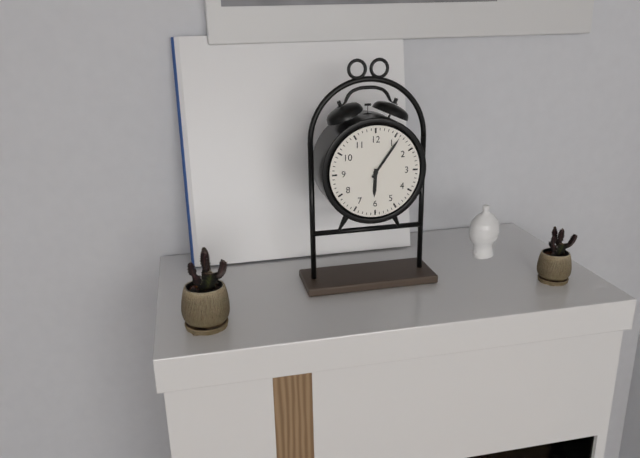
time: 6:06
